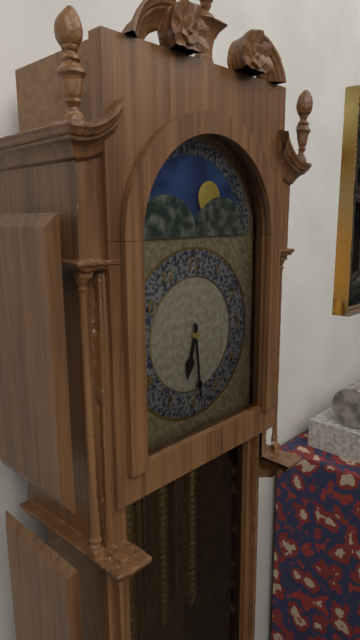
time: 6:29
